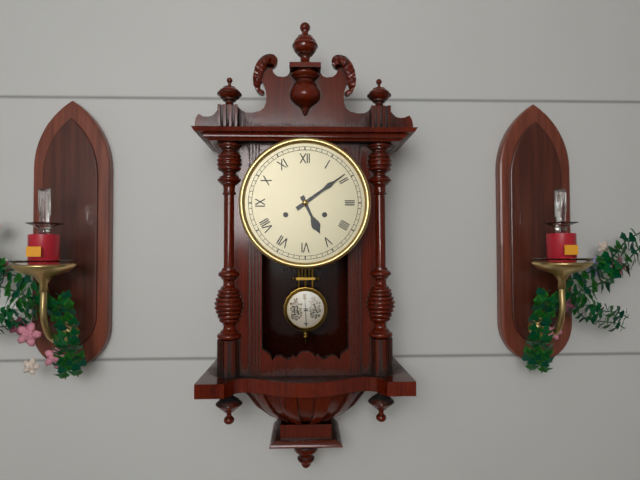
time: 5:09
